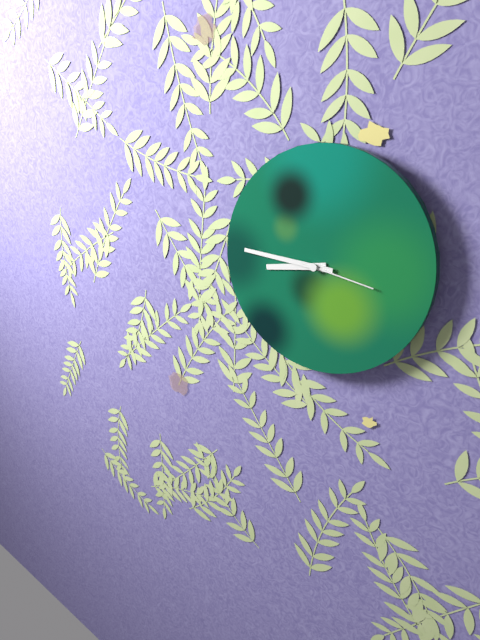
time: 8:46:17
